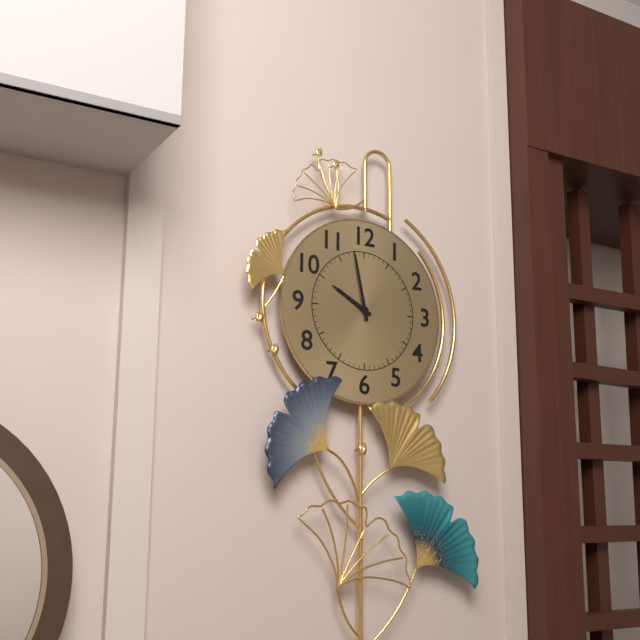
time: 9:58
